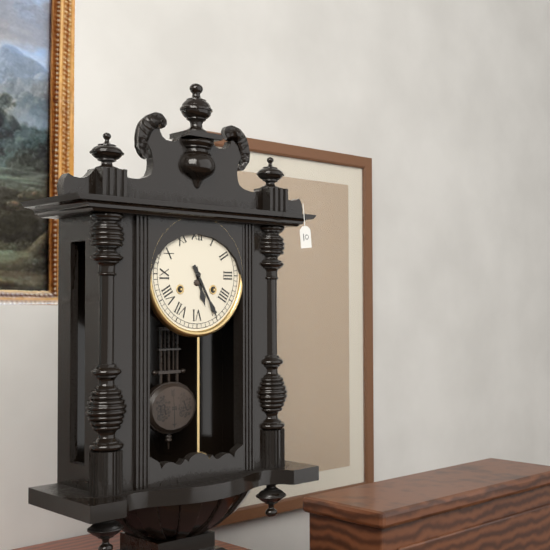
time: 5:25
